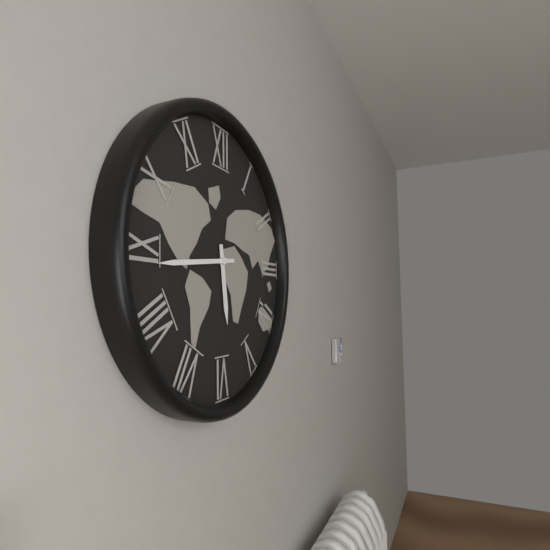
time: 5:44
